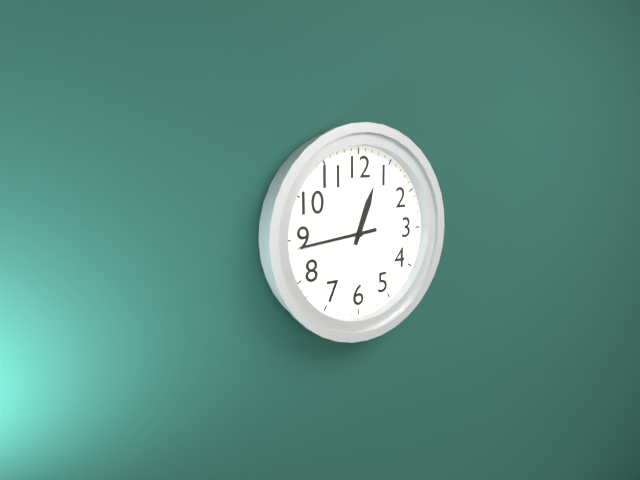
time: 12:44
